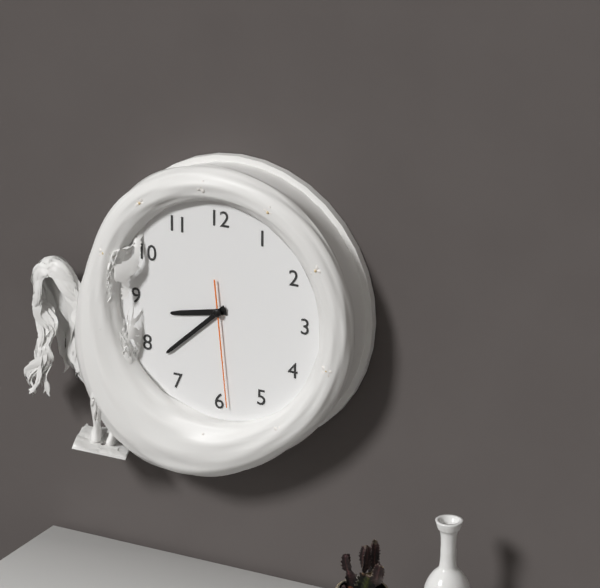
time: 8:38:29
